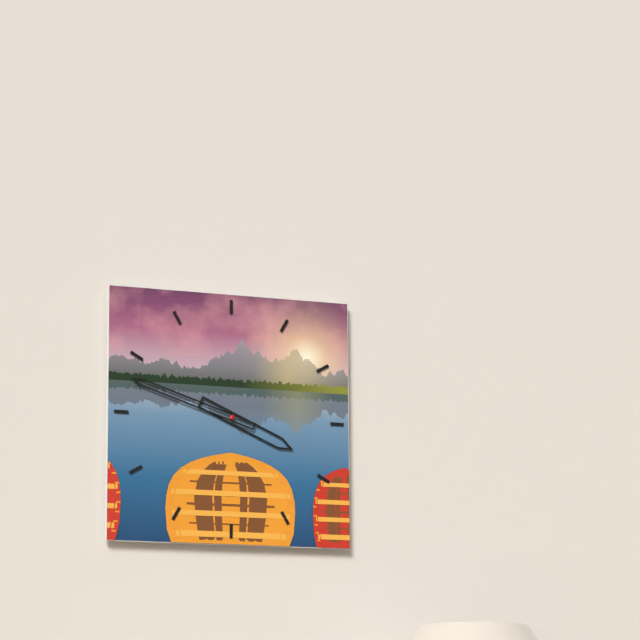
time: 3:48
